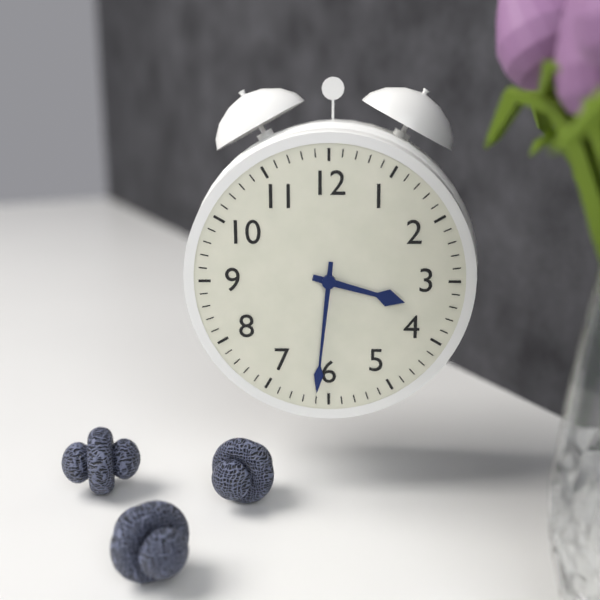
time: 3:31
